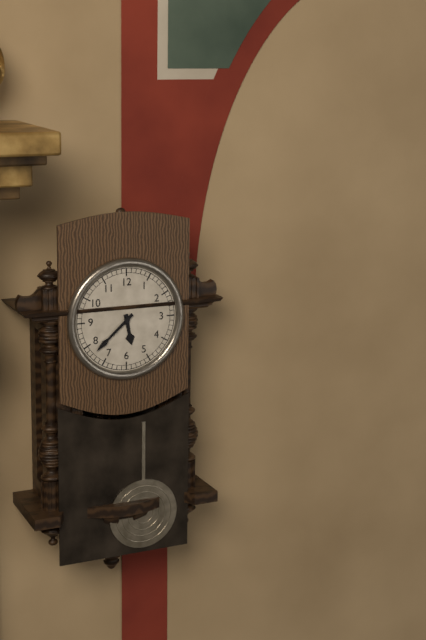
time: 5:38
